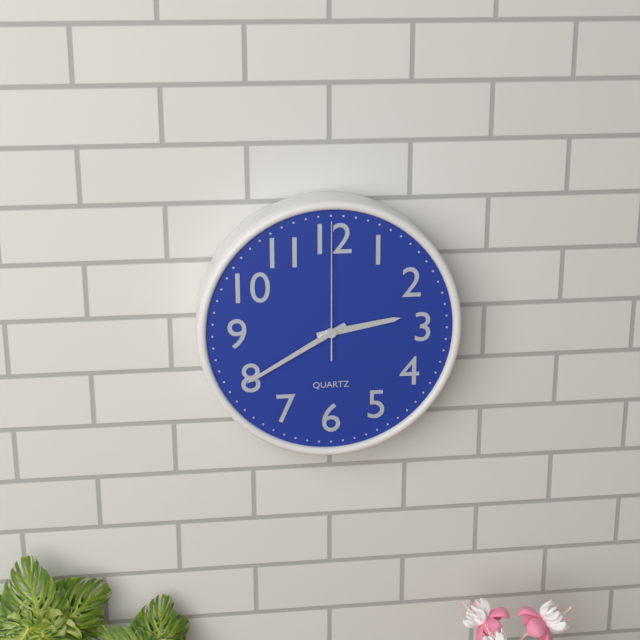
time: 2:40:00
